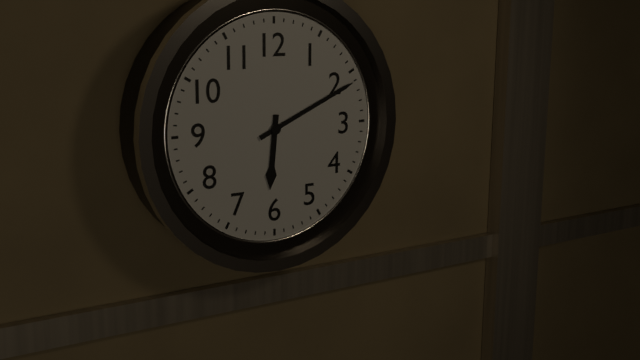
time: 6:11
